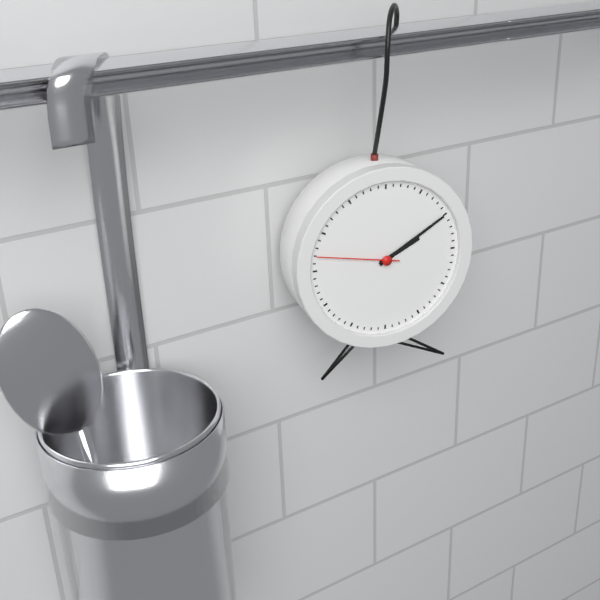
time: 2:10:47
